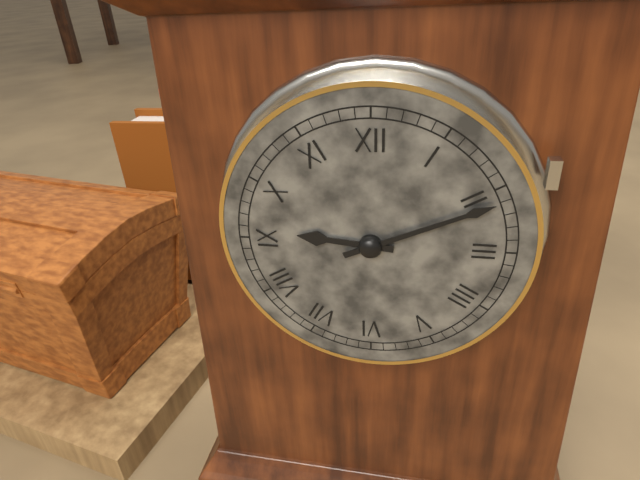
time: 9:11
